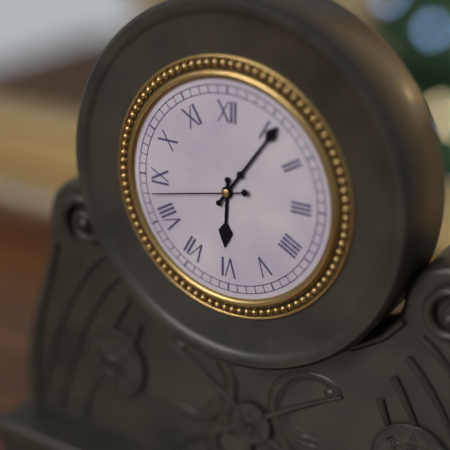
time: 6:06:43
